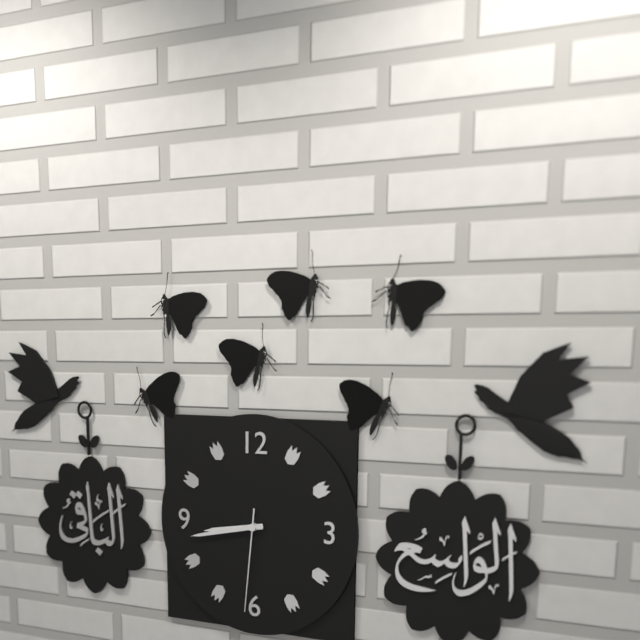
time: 8:43:31
